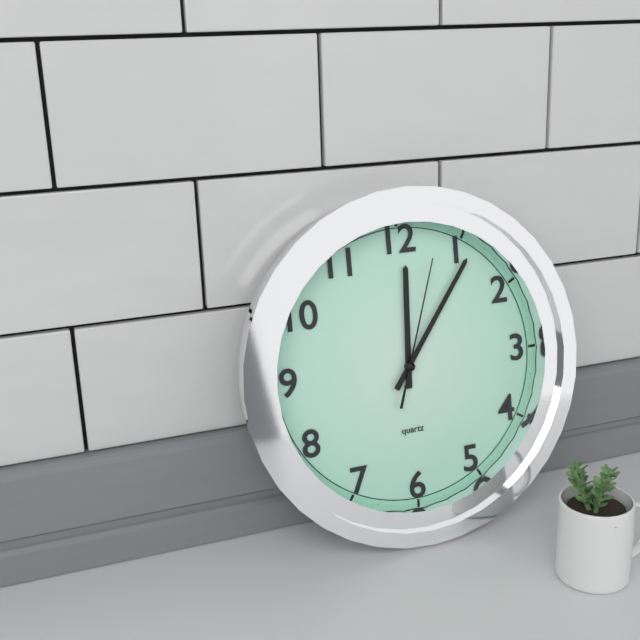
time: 12:06:03
